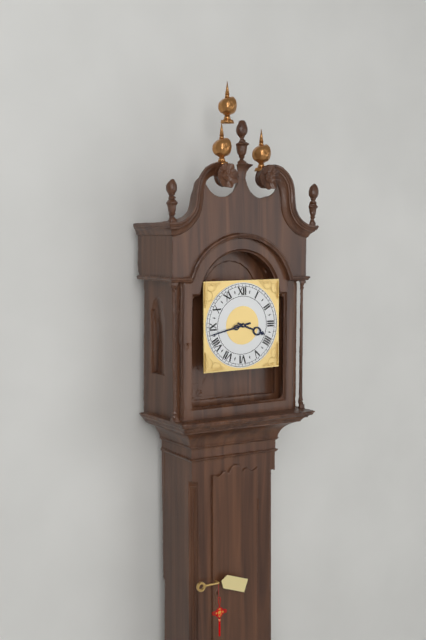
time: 3:43
